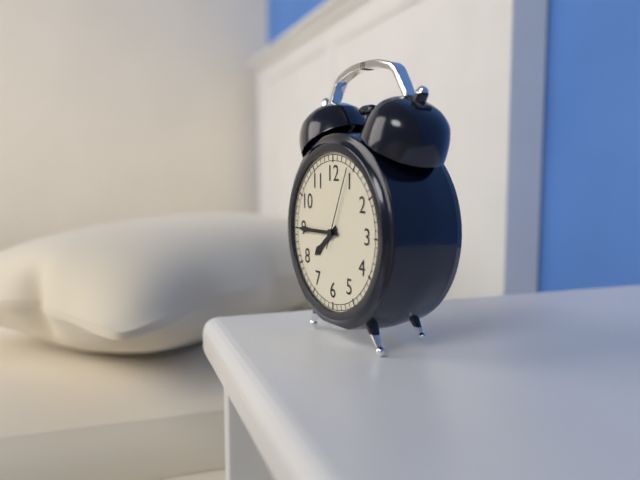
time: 7:45:04
